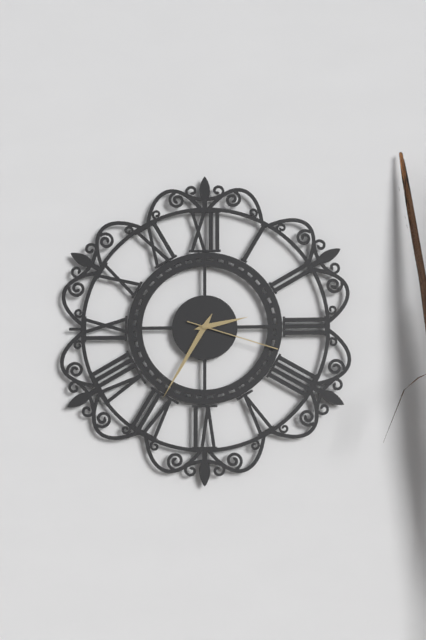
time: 2:35:18
